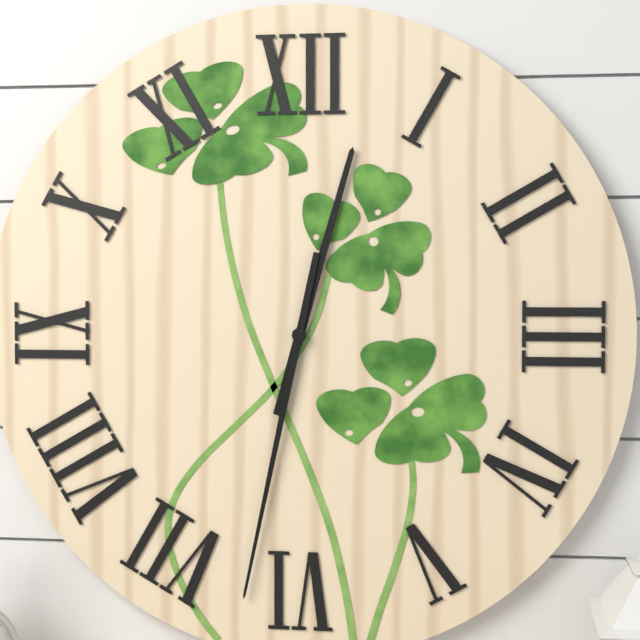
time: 12:32
